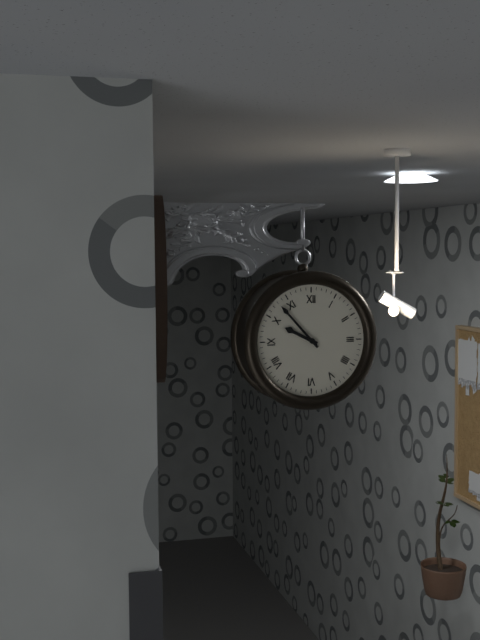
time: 9:53
